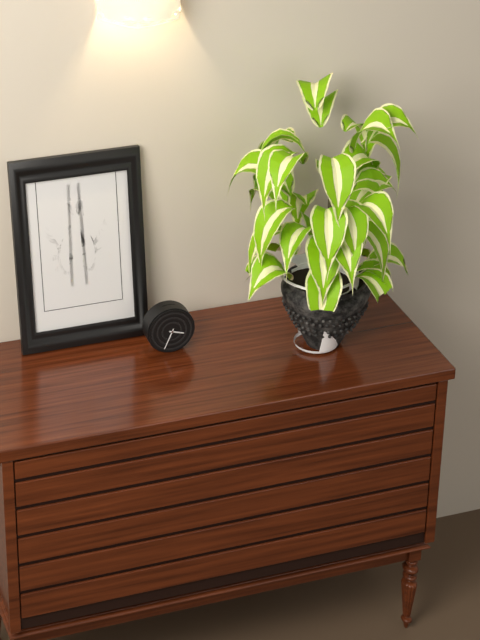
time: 3:34
